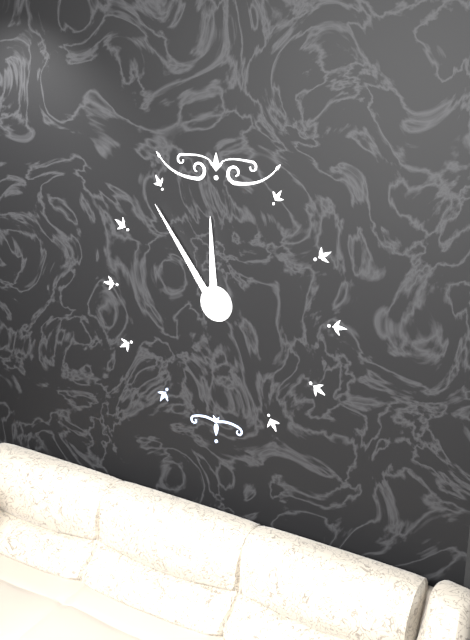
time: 11:54
